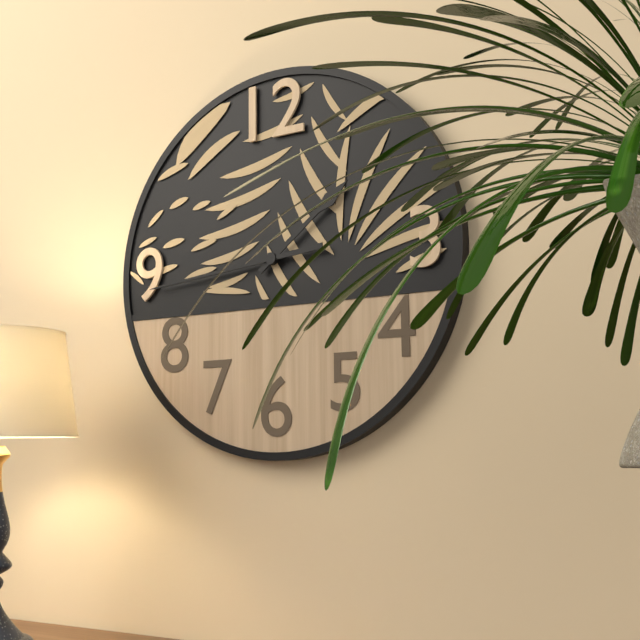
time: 1:44
